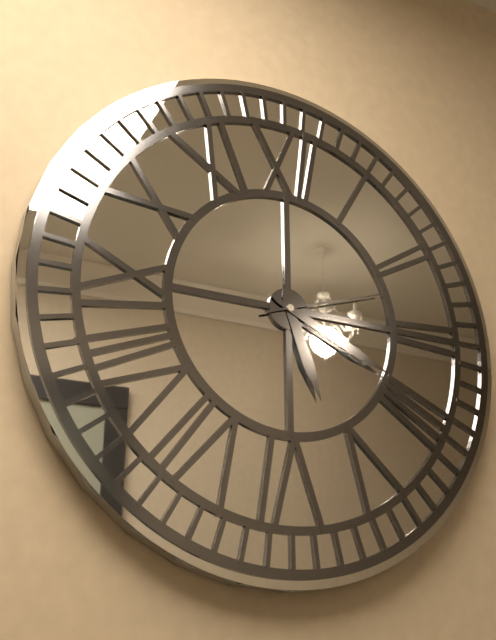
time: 5:19:12
